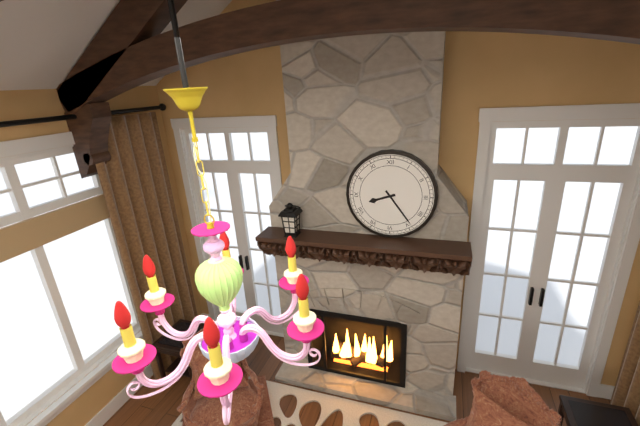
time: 8:24
